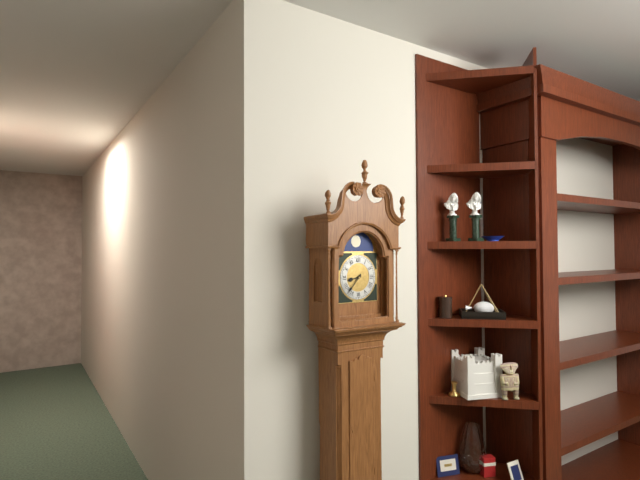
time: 8:37
